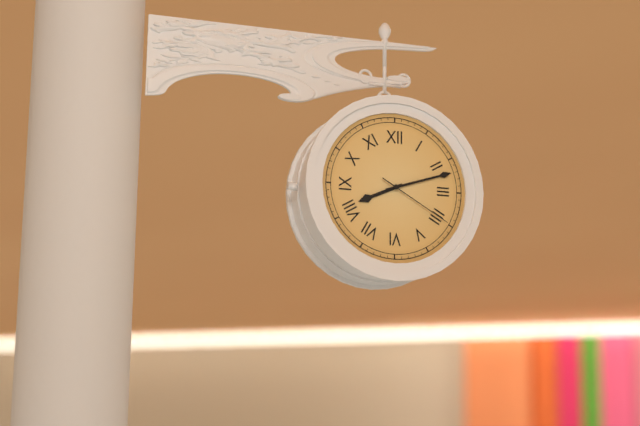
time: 8:12:20
